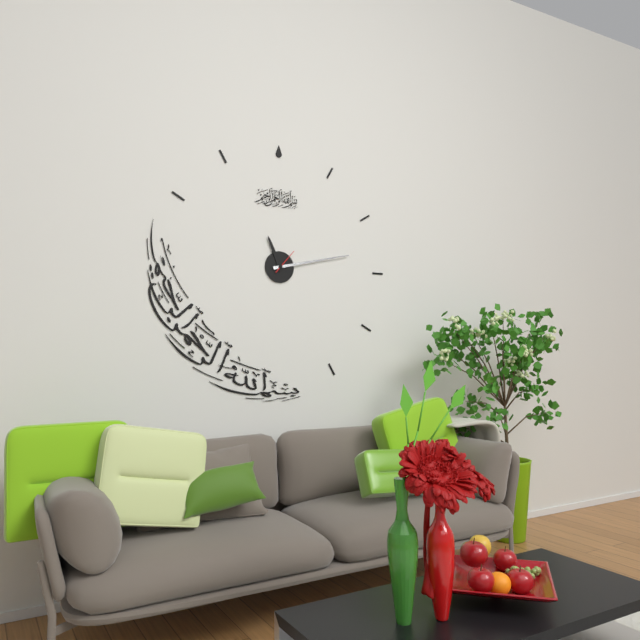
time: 11:13
